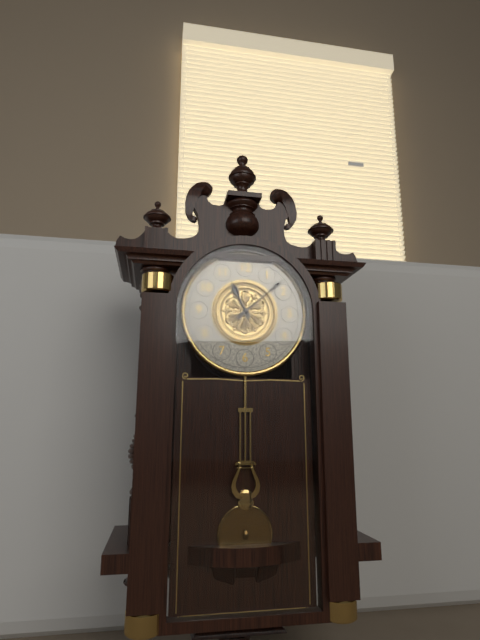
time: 11:08
